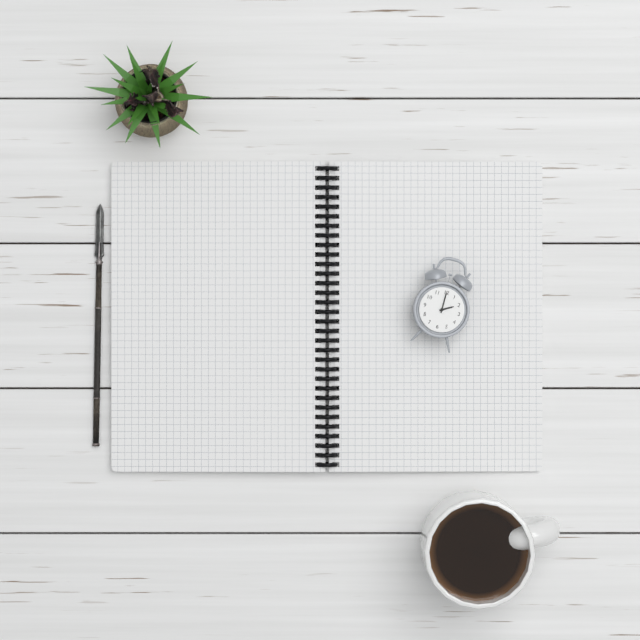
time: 2:00
